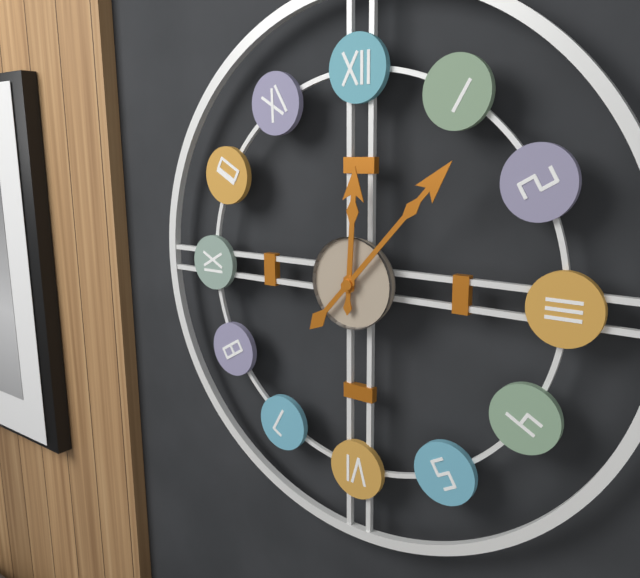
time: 12:07
